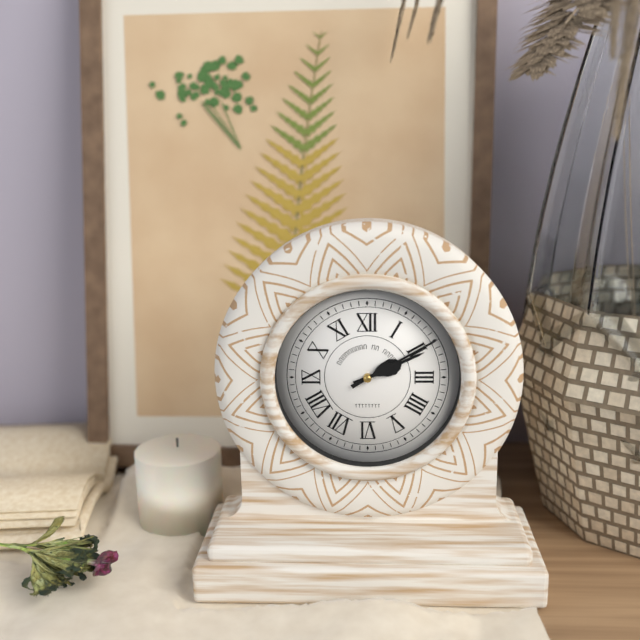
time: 2:10
